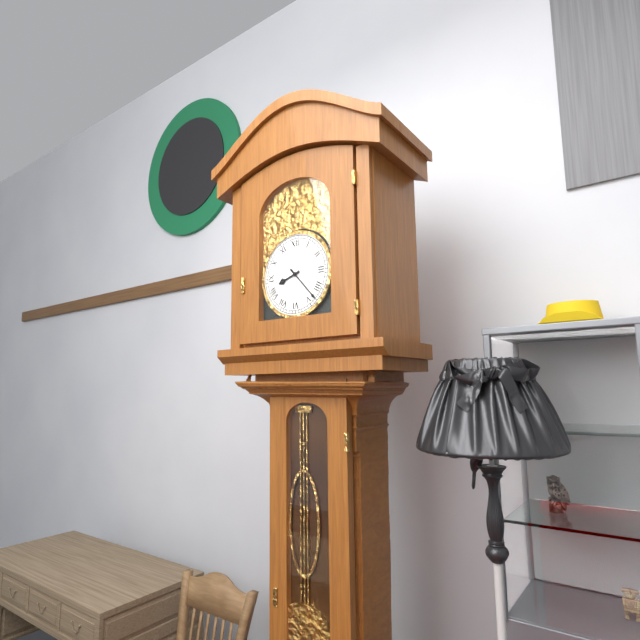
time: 8:23
